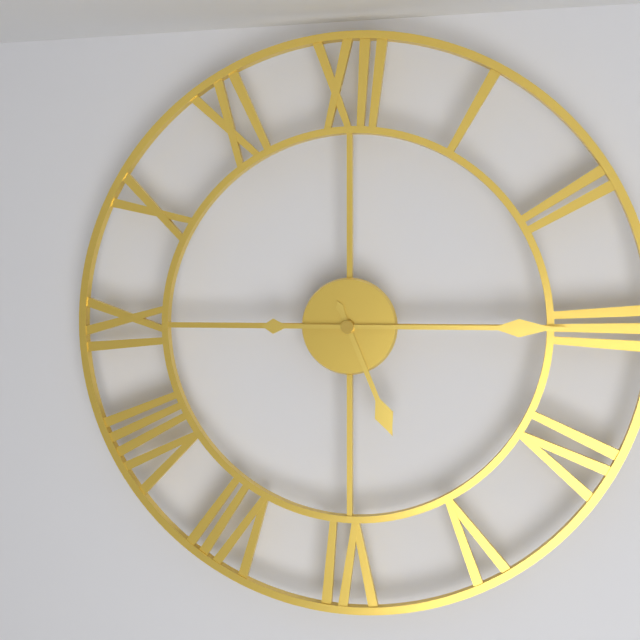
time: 5:15
